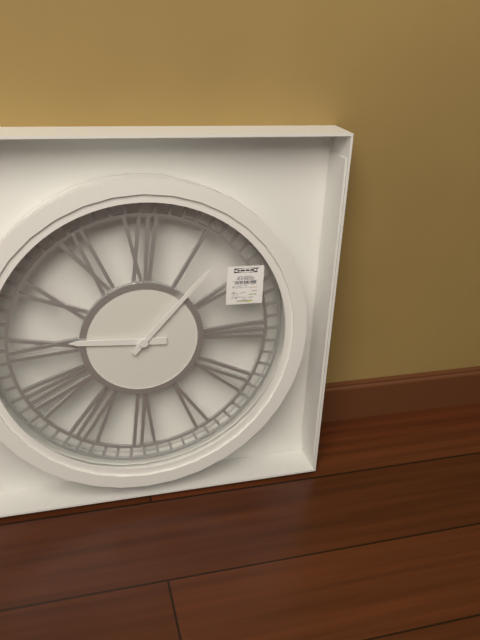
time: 9:07
